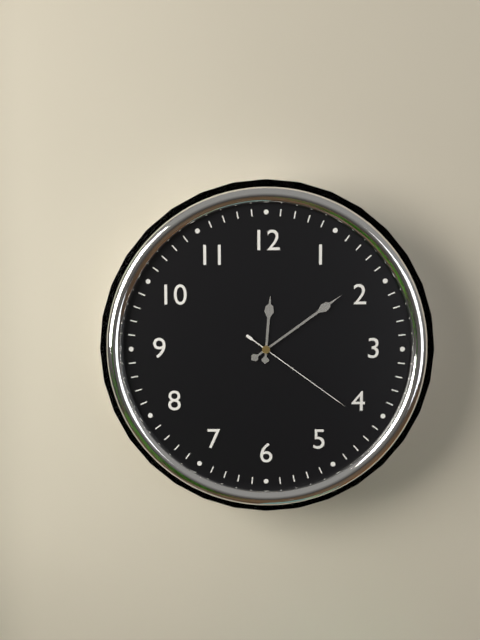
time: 12:09:21
